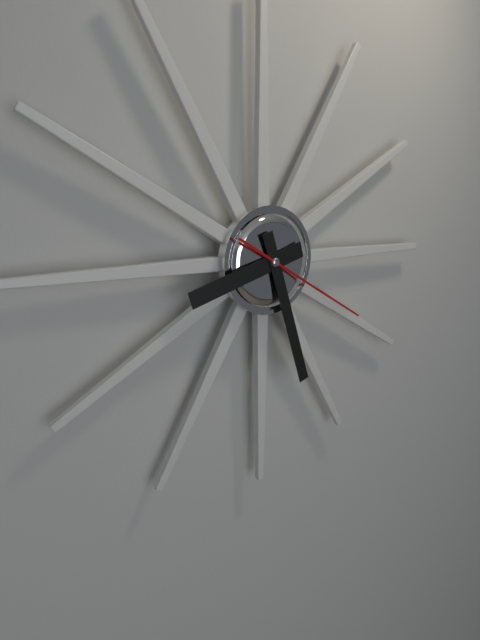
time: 8:27:20
